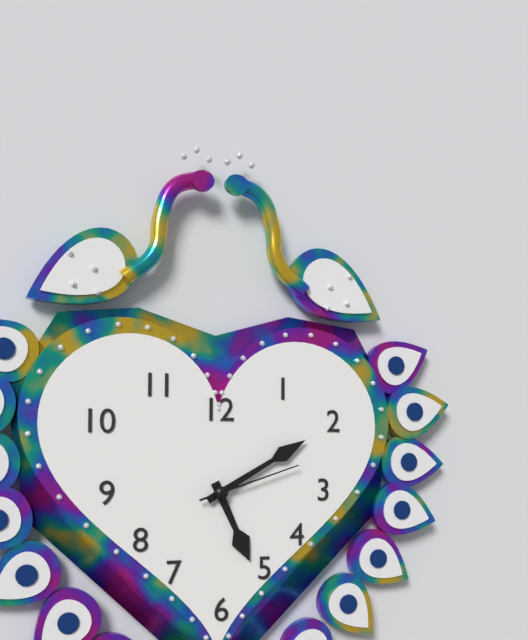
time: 5:10:12
